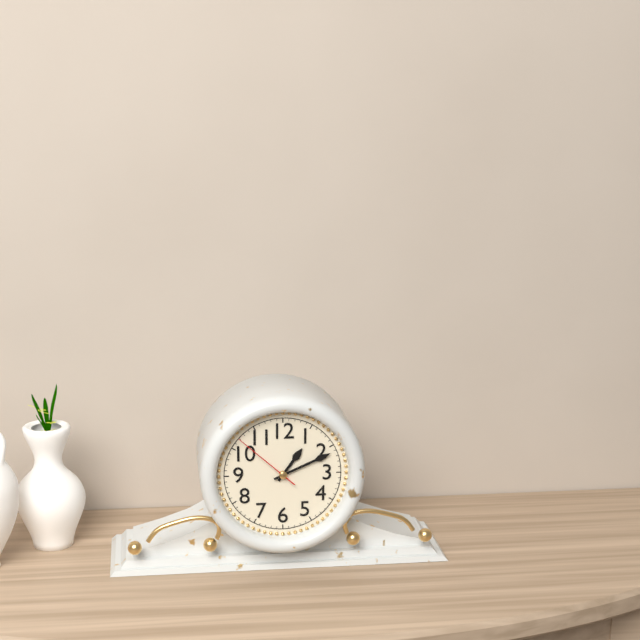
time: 1:11:52
